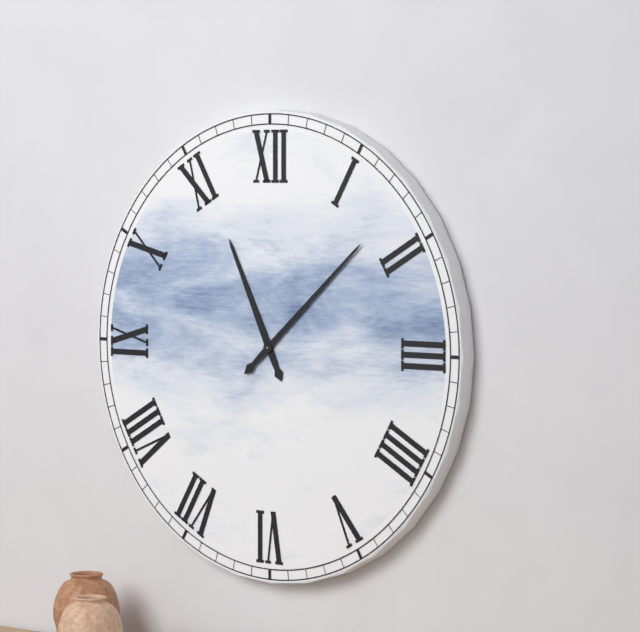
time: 11:08
